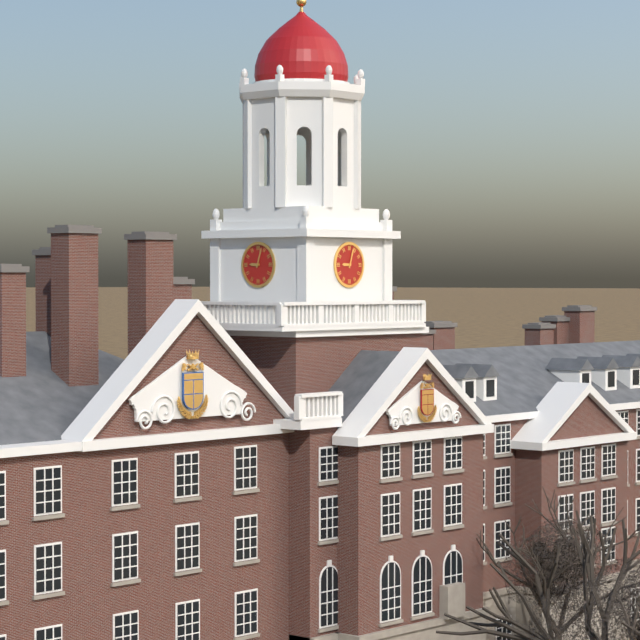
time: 9:03
